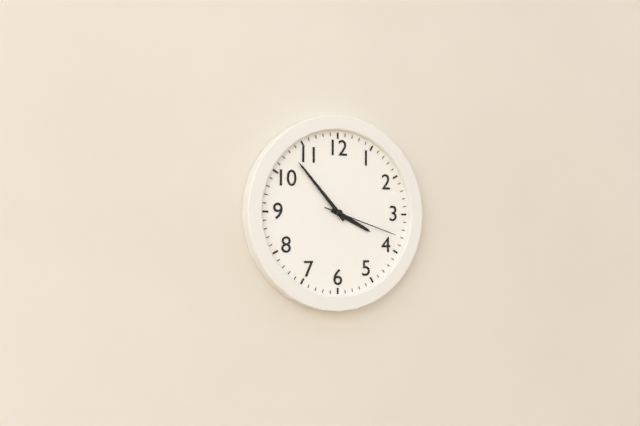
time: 3:53:18
